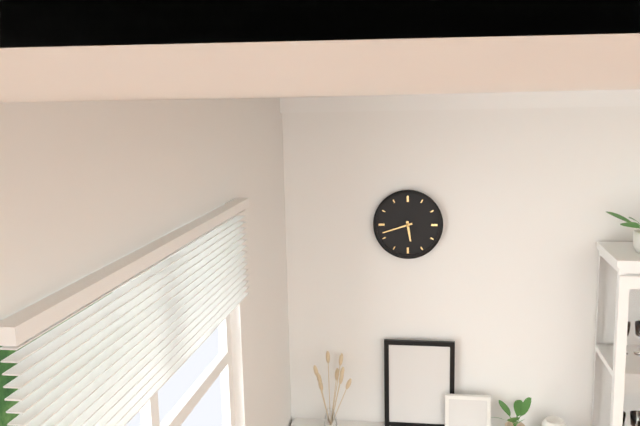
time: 5:42
